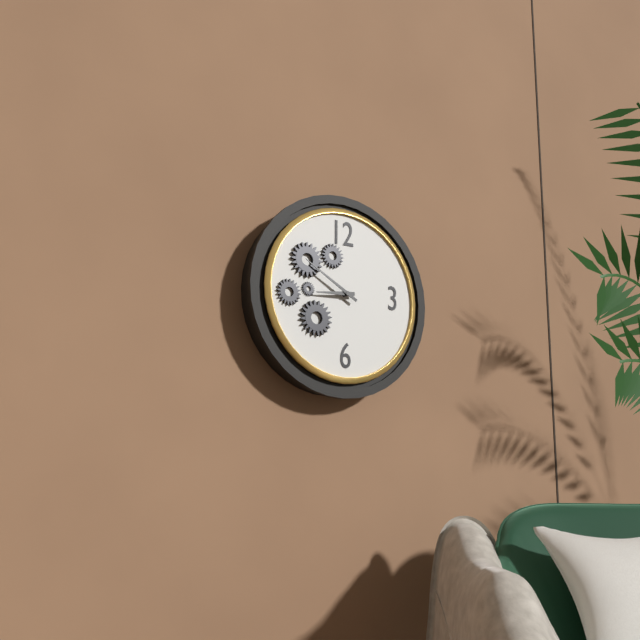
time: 8:50
